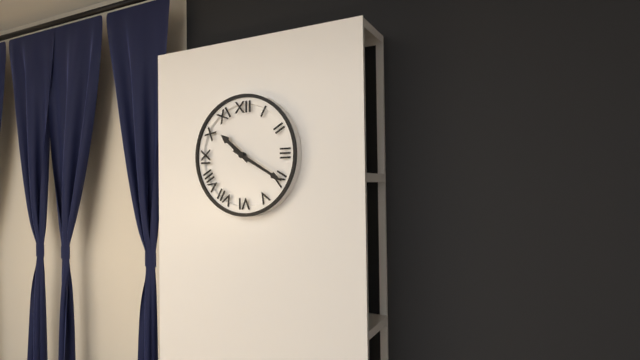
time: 10:20
